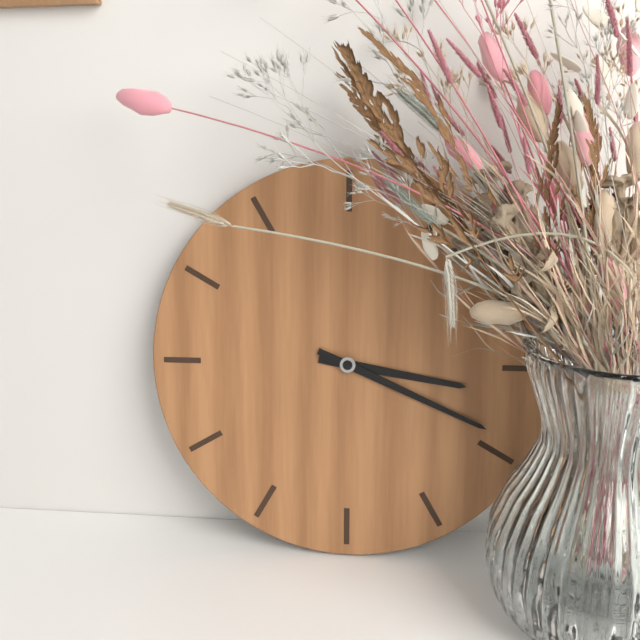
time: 3:19
